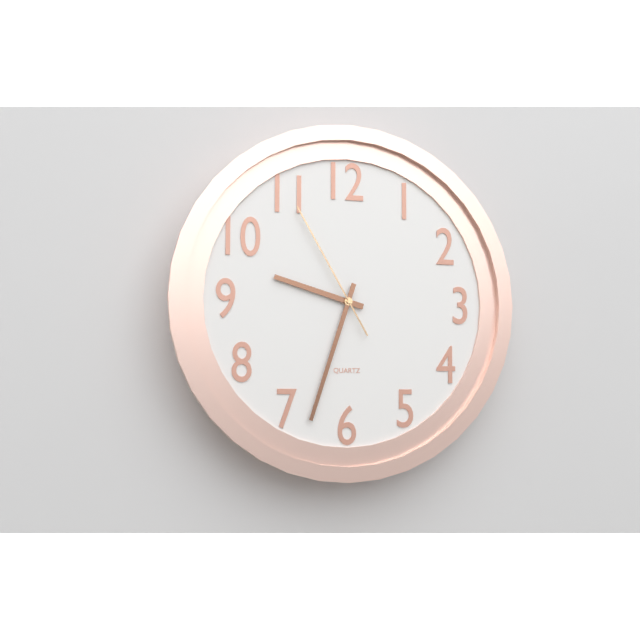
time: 9:33:55
